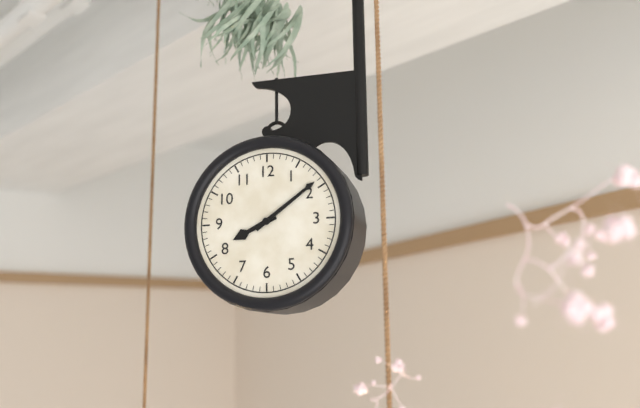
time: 8:09
